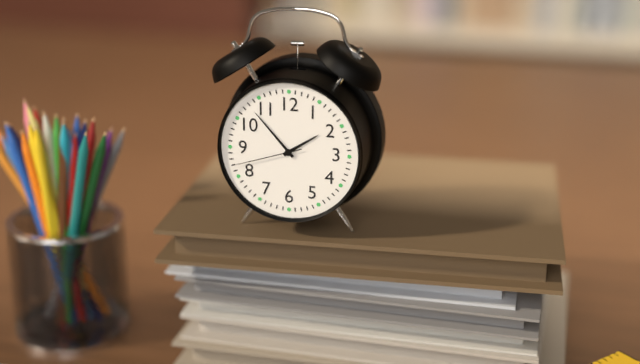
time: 1:53:42
